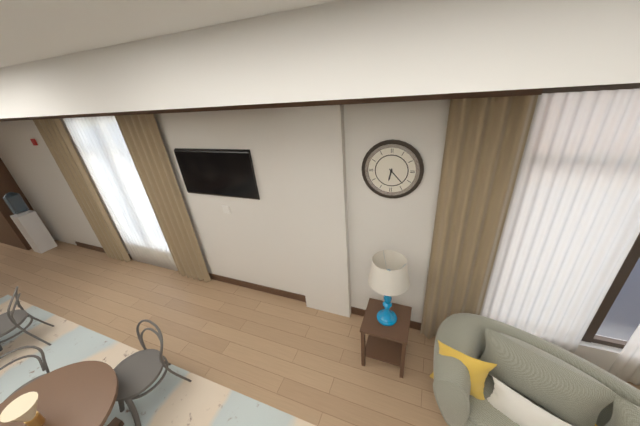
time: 6:23
